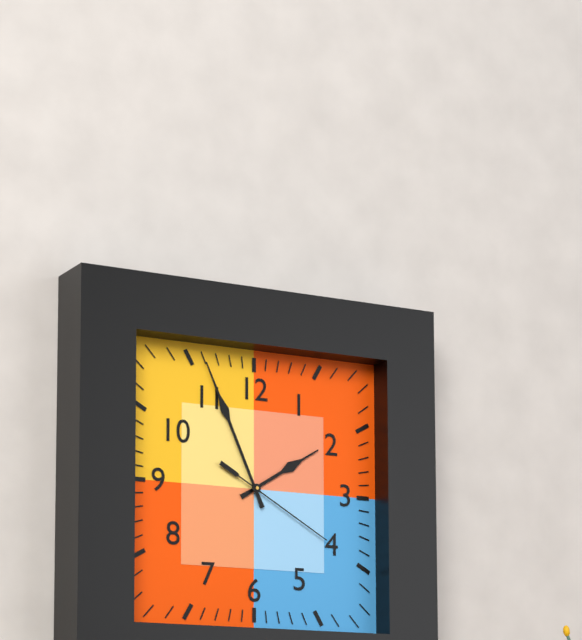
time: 1:56:20
